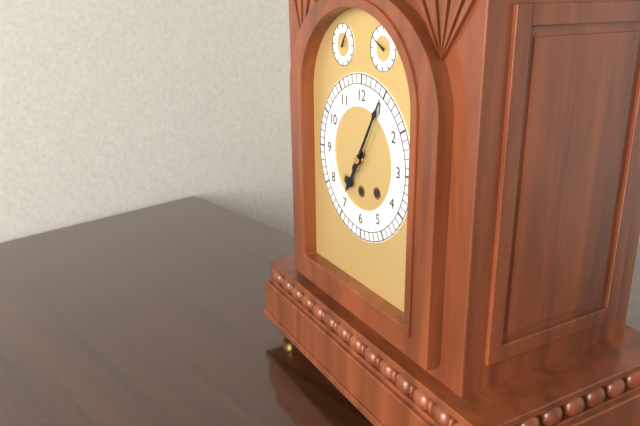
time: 7:05
